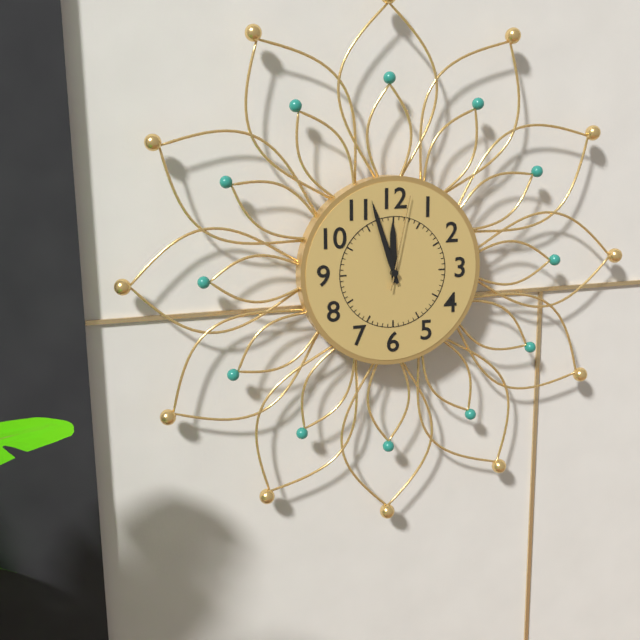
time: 11:57:02
